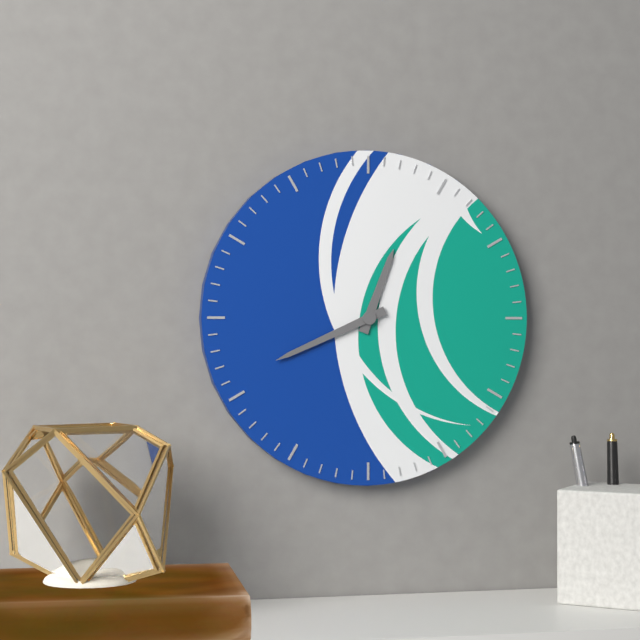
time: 12:41
